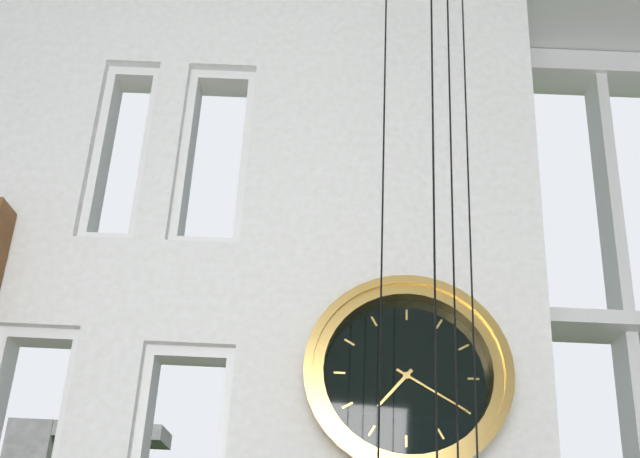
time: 7:20
